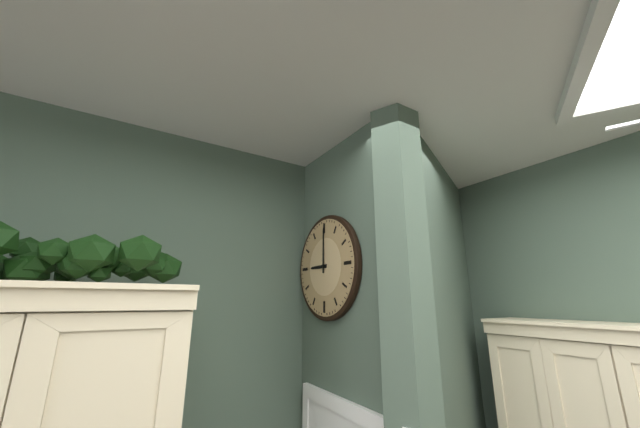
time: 9:00
